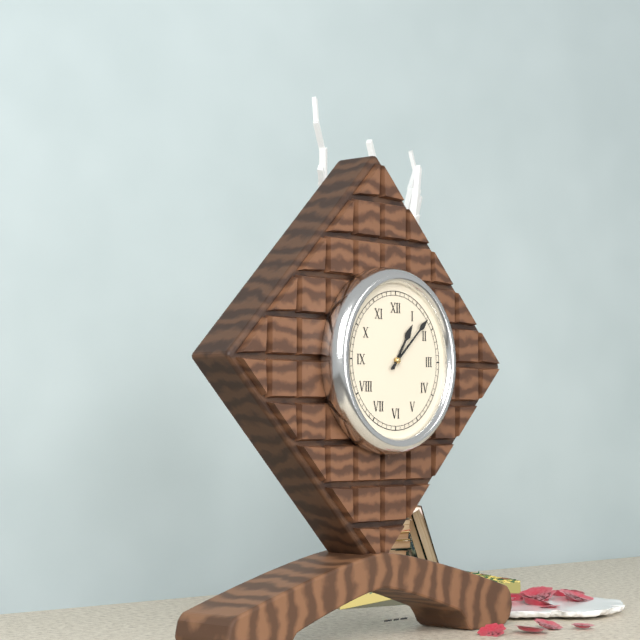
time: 1:08
